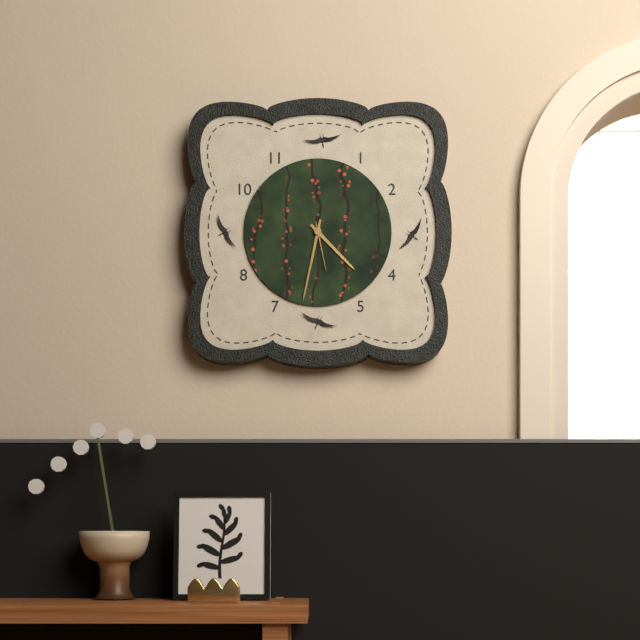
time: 4:32:28
